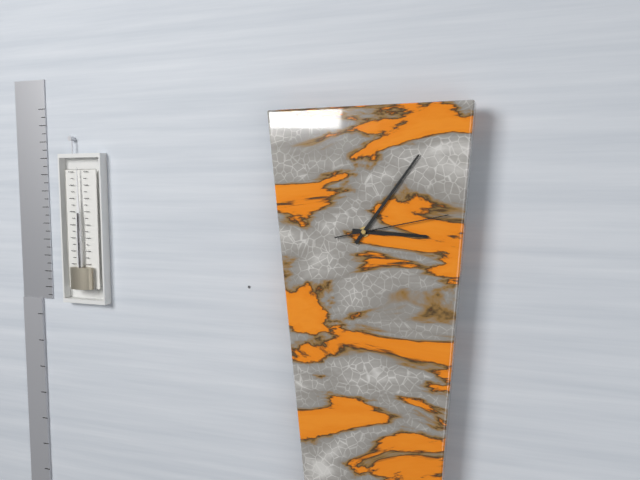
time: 3:06:13
